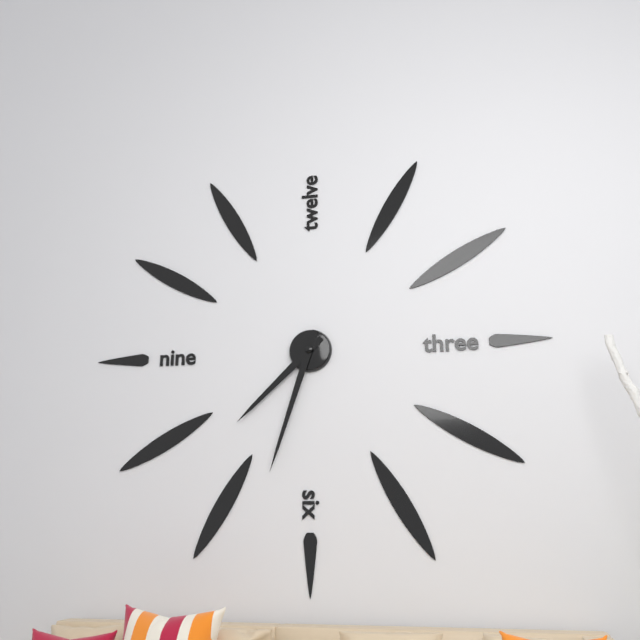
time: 7:33
